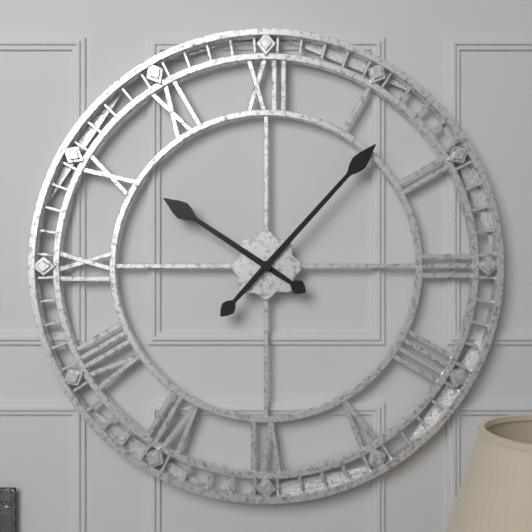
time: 10:07
